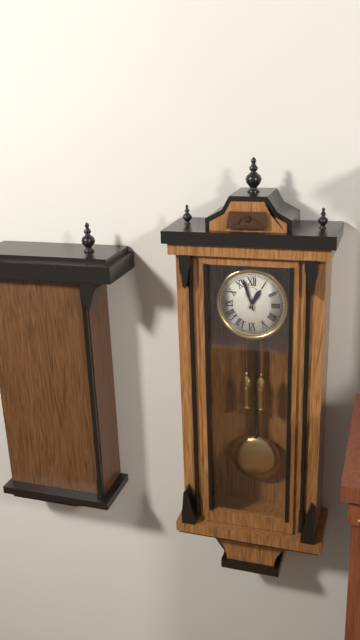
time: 12:57
